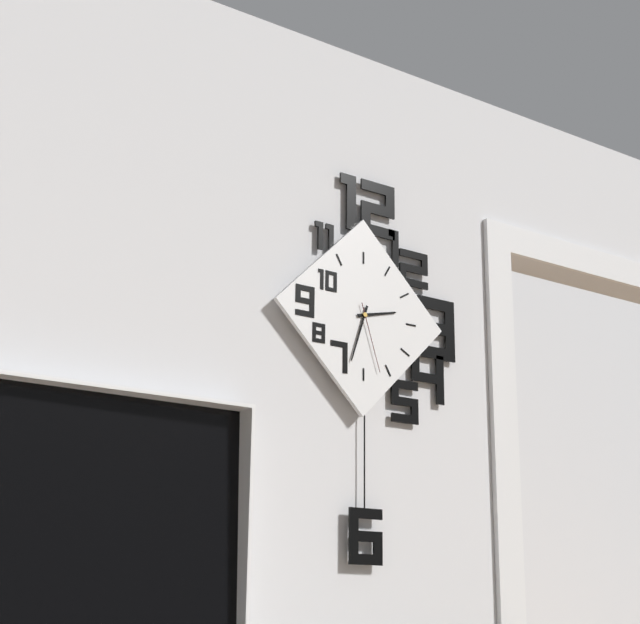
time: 2:33:27
